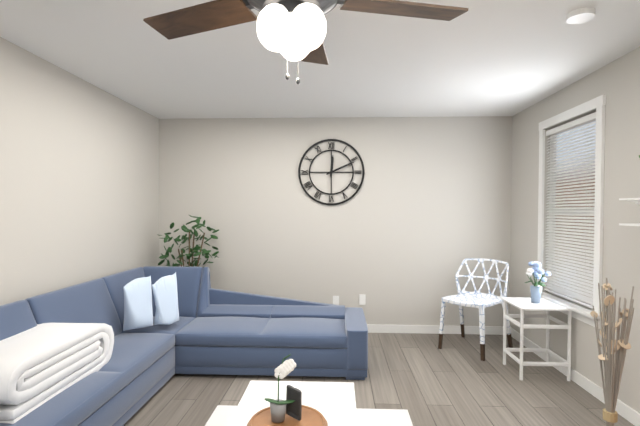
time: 12:11
